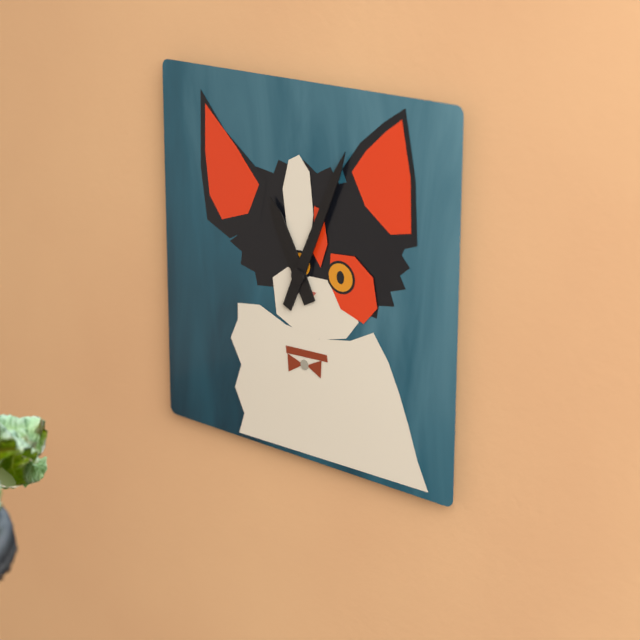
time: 11:04
